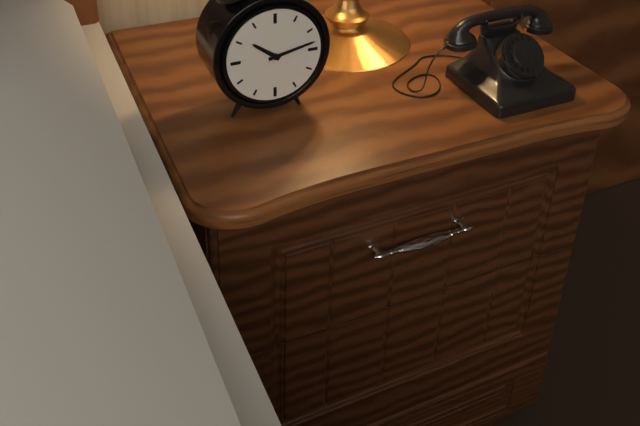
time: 10:13
